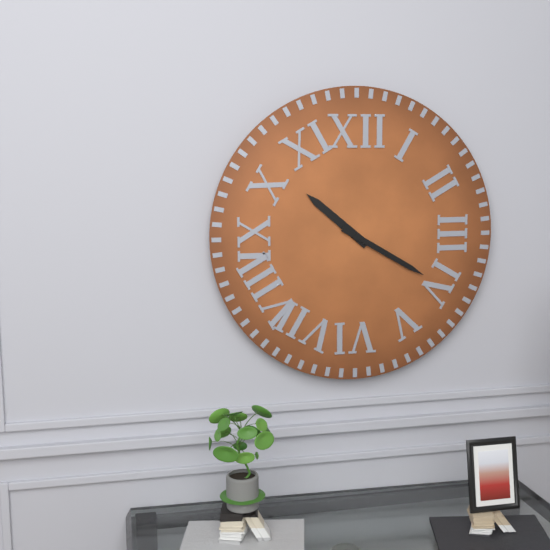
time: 10:20
